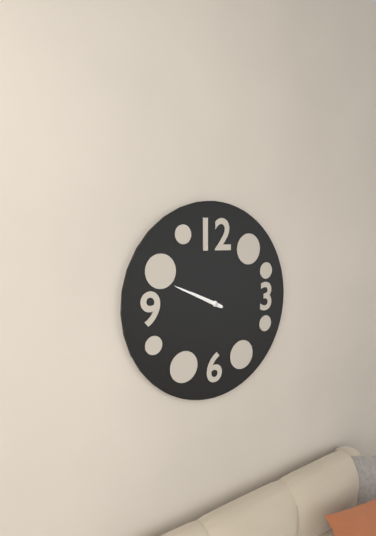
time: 9:49
